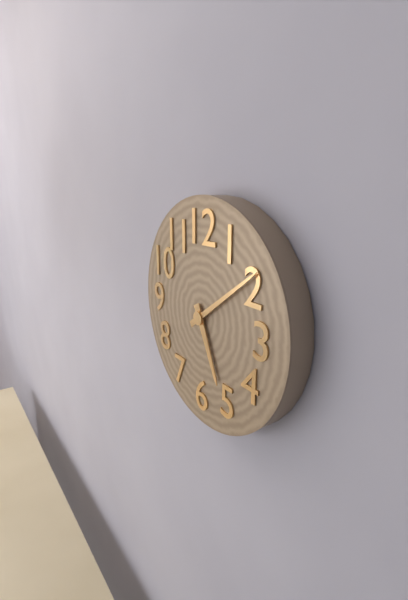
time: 5:09
